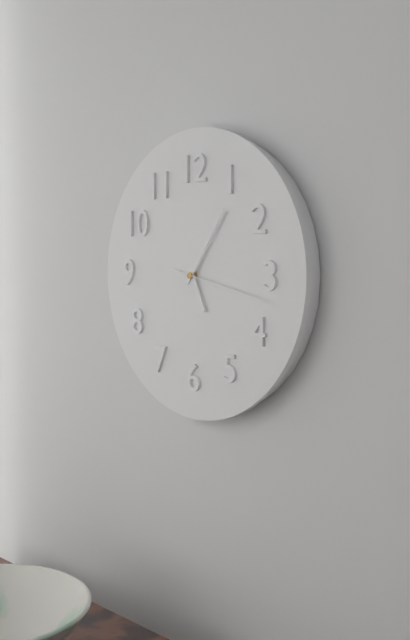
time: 5:06:17
